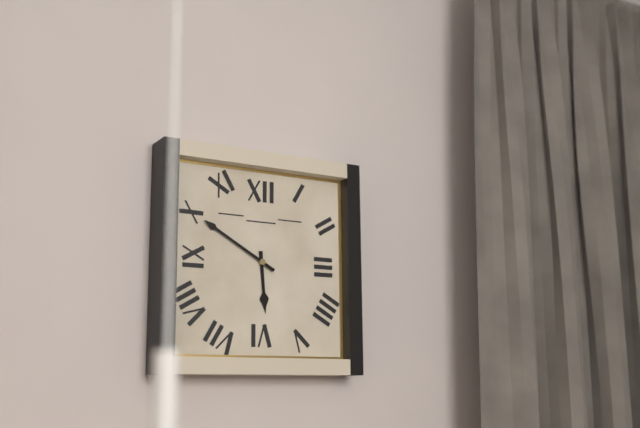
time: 5:50
